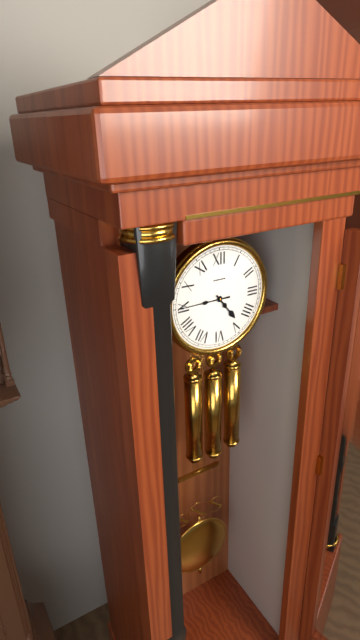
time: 4:45
